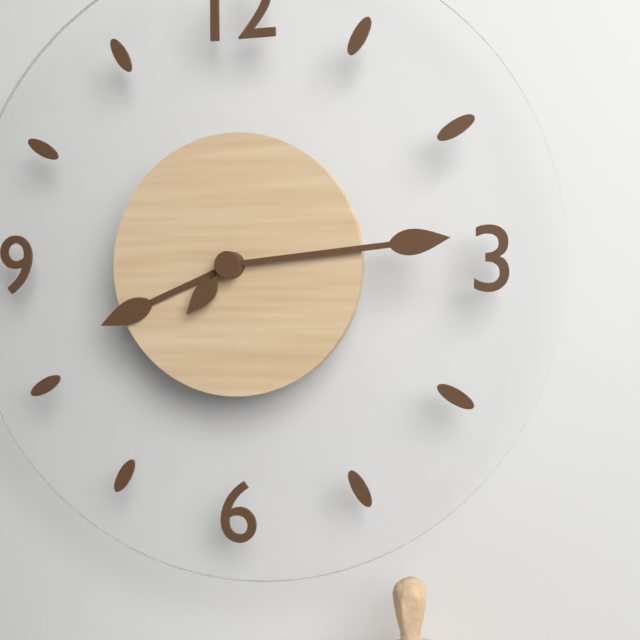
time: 8:14:37
